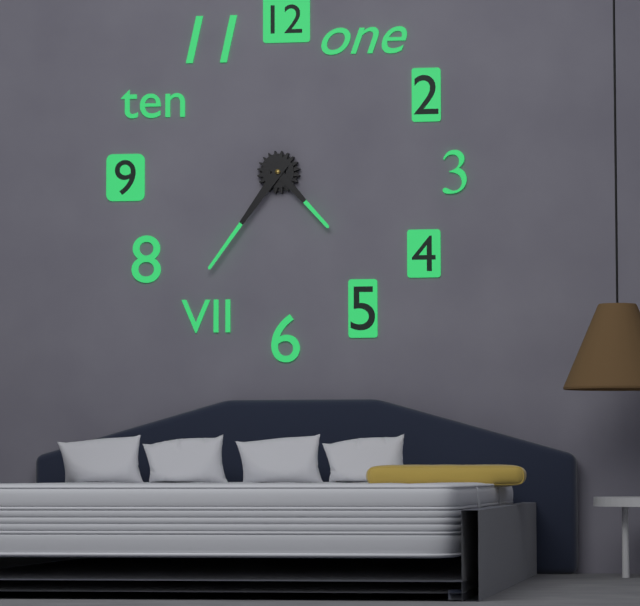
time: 4:36
